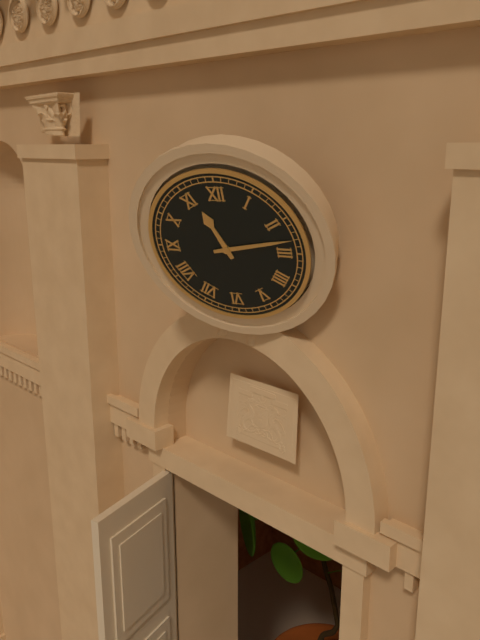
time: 11:13
